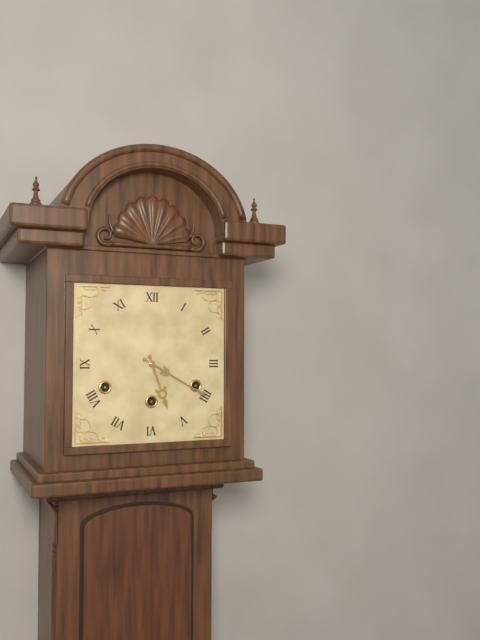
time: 5:20
